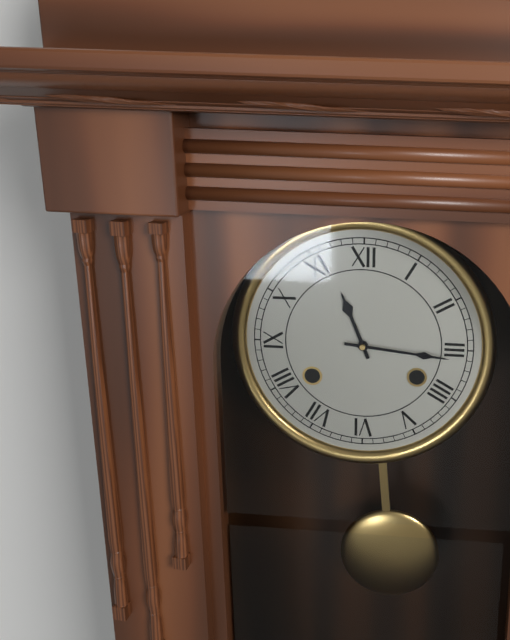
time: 11:16
